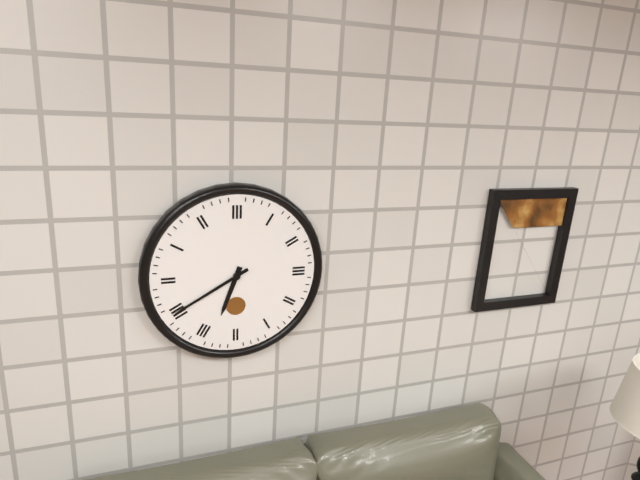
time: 6:40
